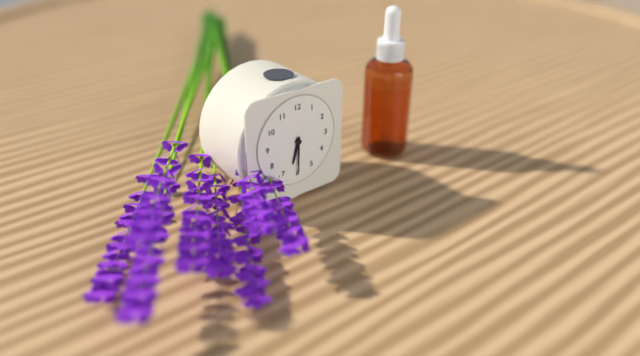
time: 6:30
